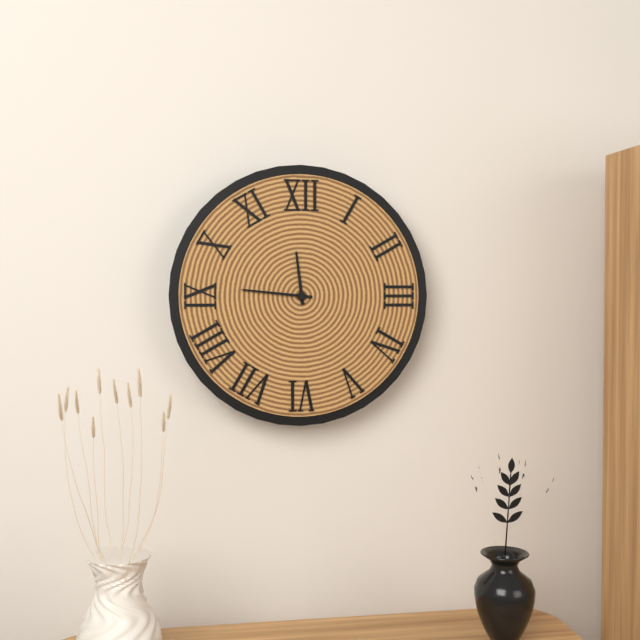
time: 11:46
